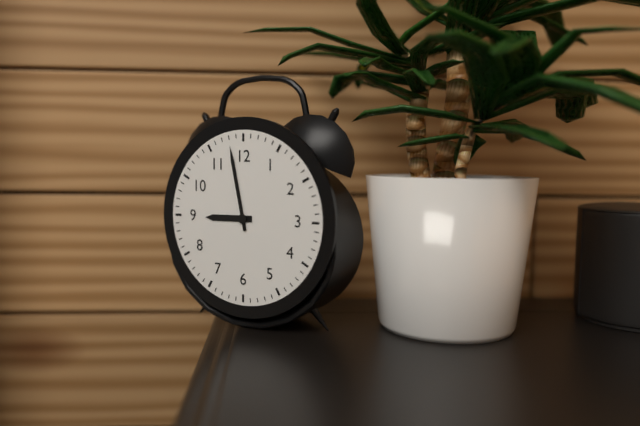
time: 8:58
